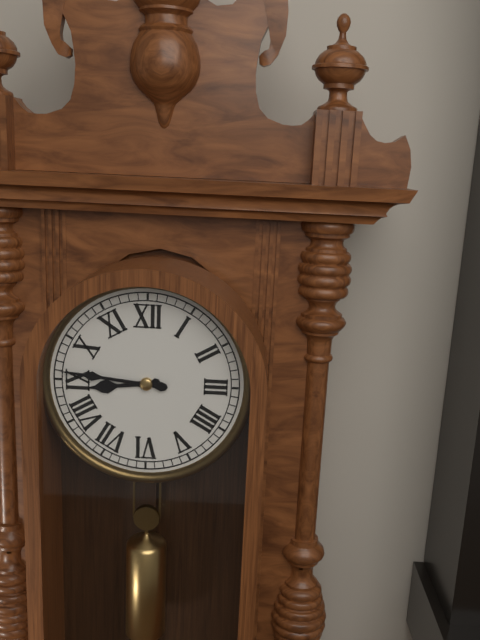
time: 8:46
